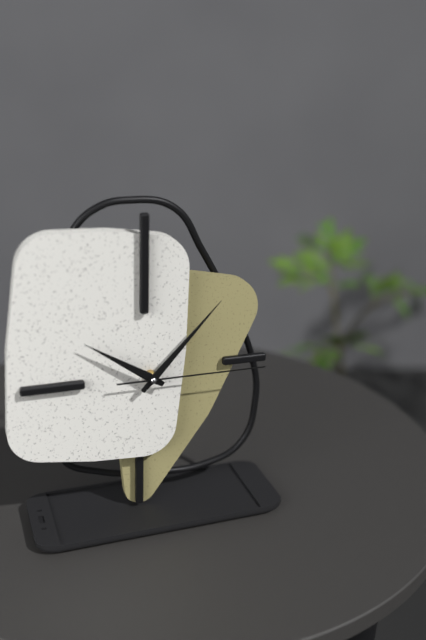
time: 10:07:15
